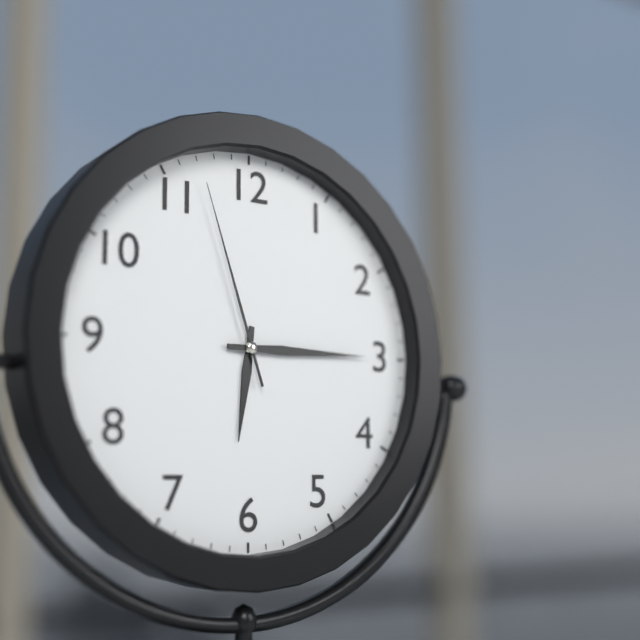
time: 6:15:57
